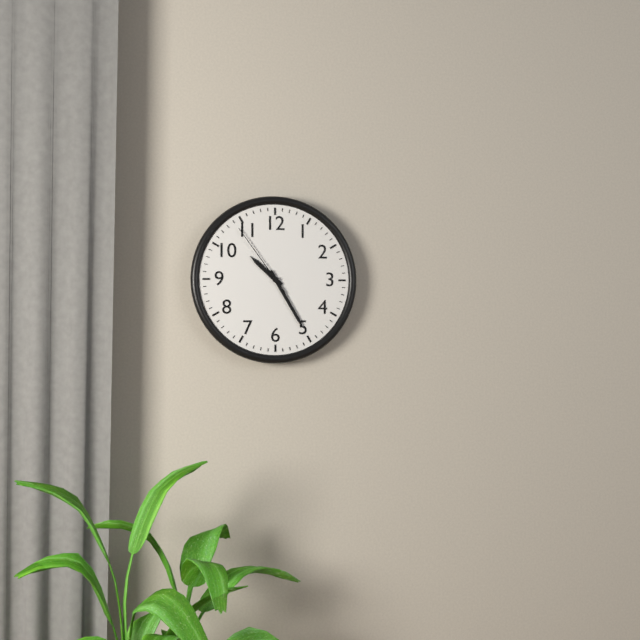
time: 10:25:54
